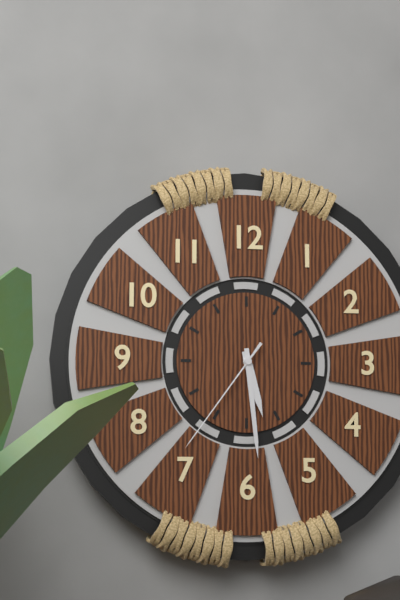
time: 5:29:36
